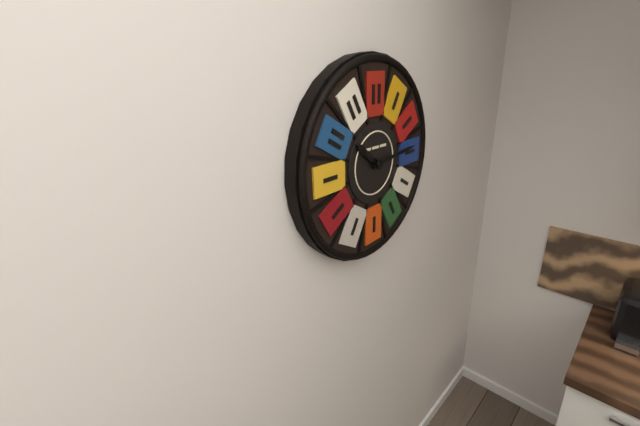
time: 10:14
